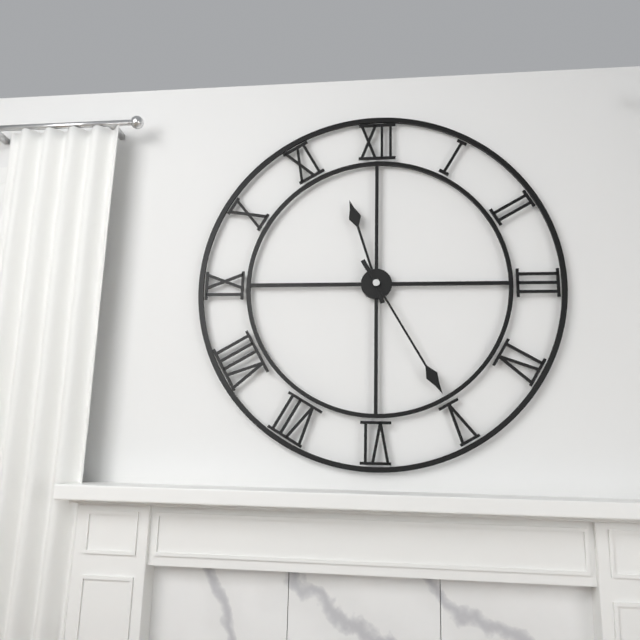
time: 11:25
